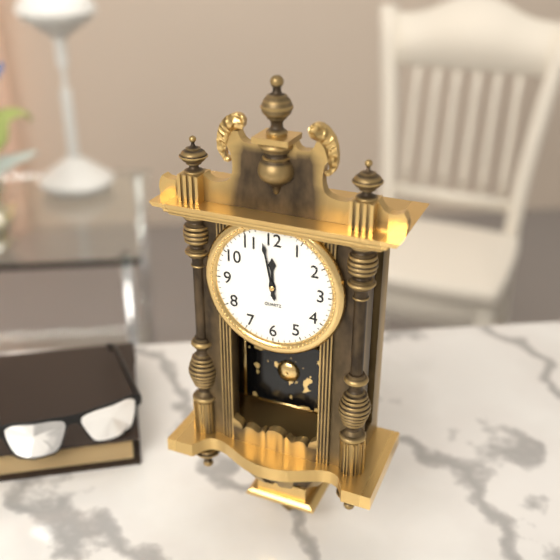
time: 11:58
